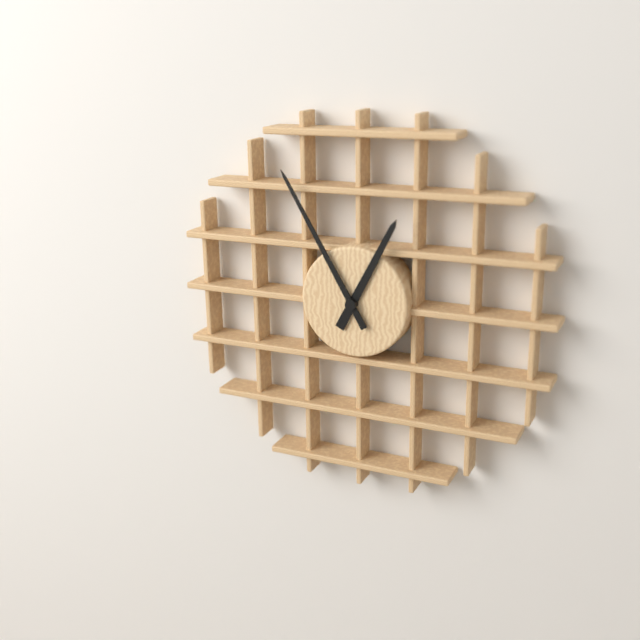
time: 12:55
